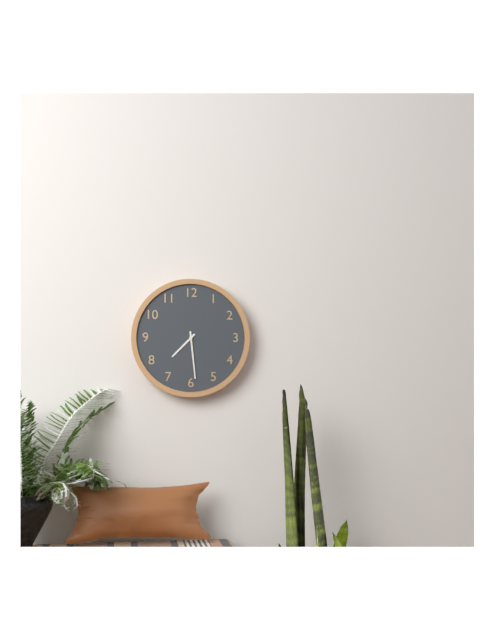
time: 7:29
